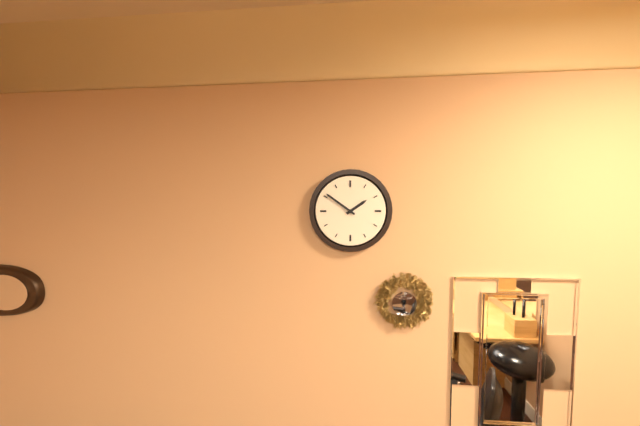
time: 1:51
